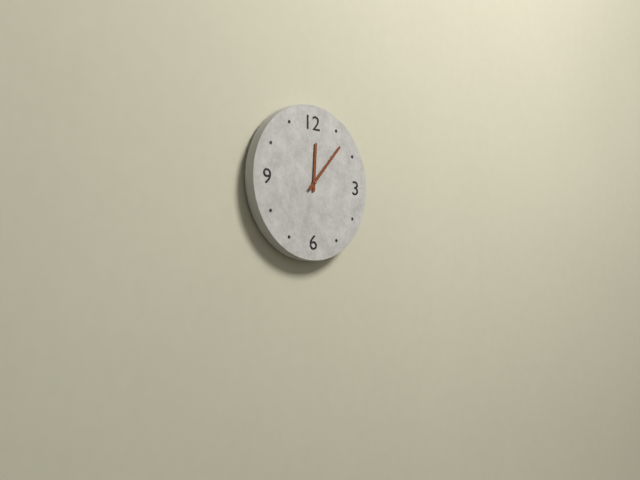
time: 12:07
